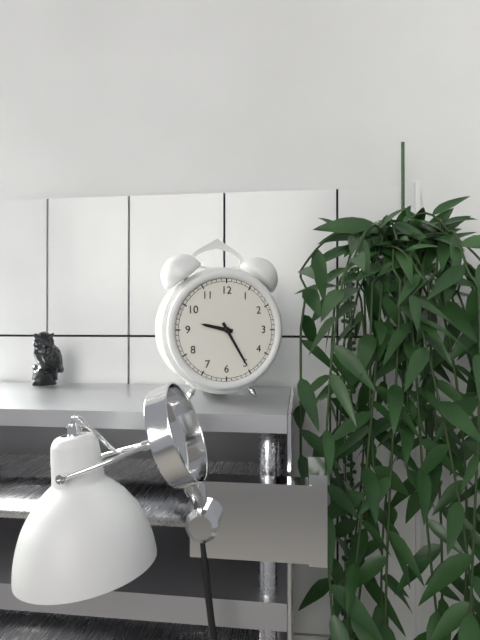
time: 9:25
